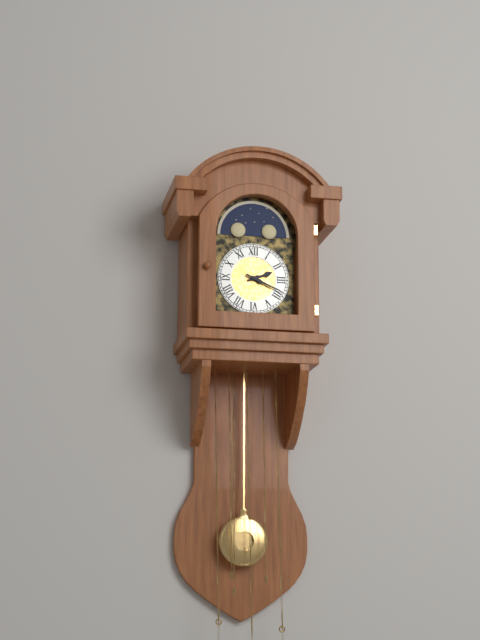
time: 2:19
